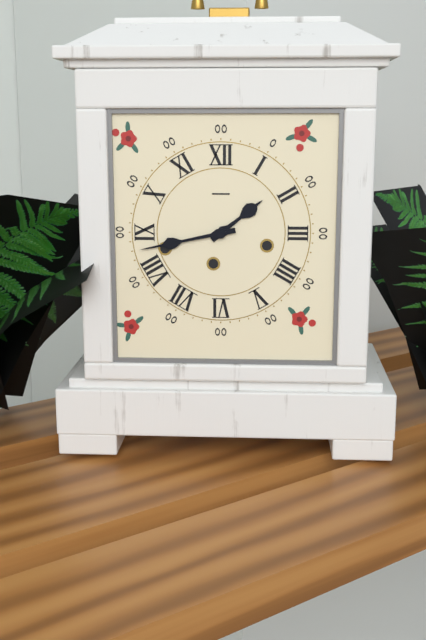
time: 1:43
